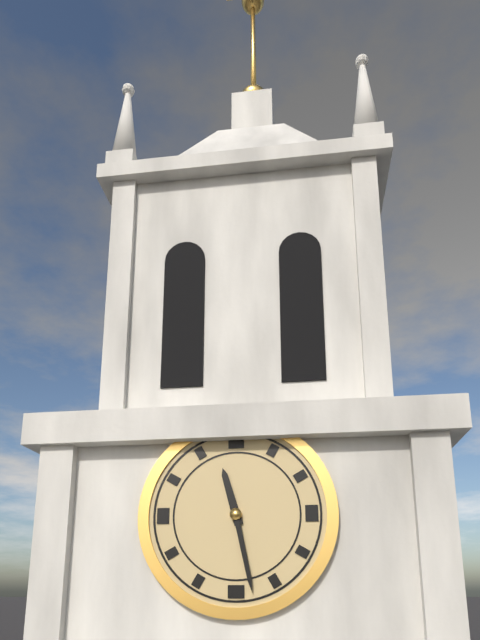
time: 11:28
